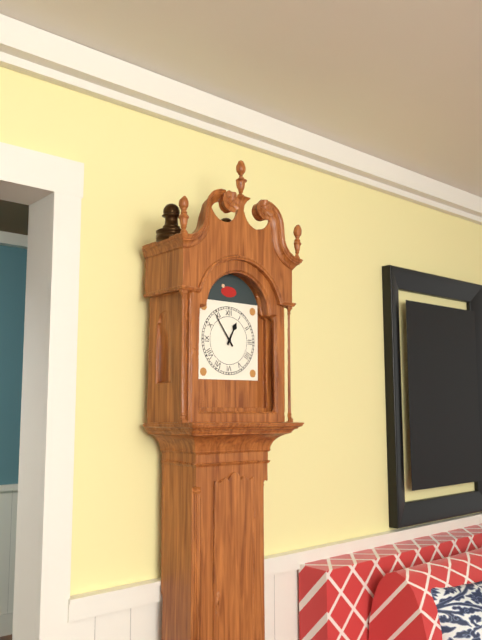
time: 12:54
